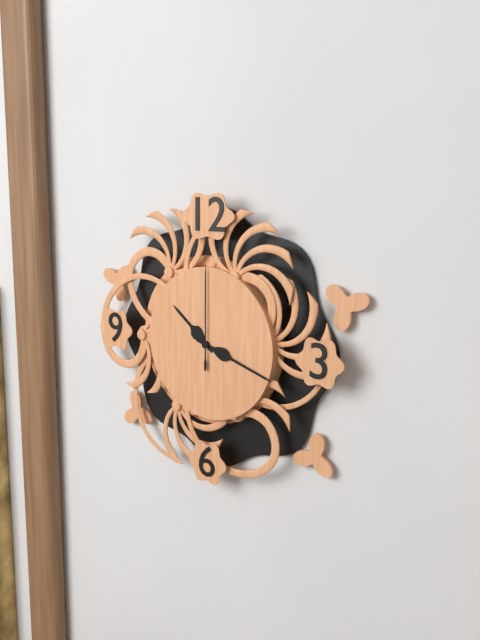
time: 10:18:00
